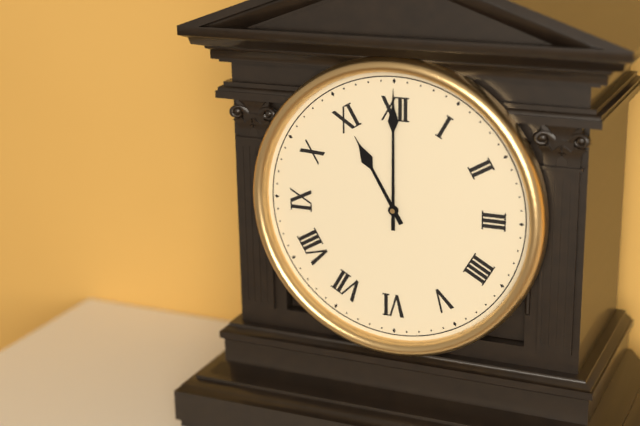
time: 11:00
